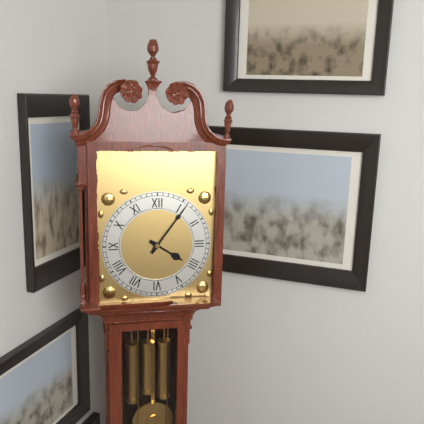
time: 4:06
